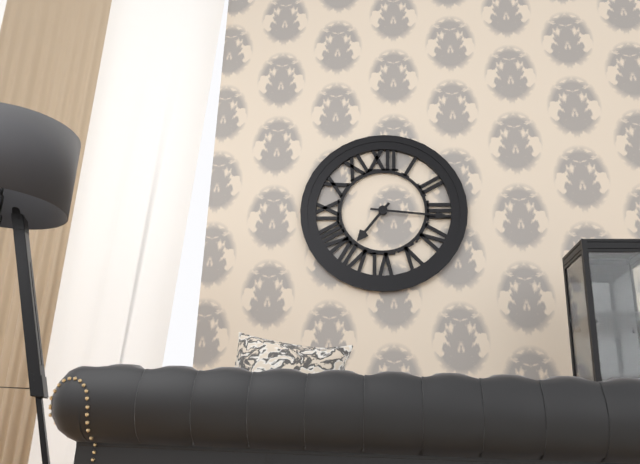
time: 7:16
